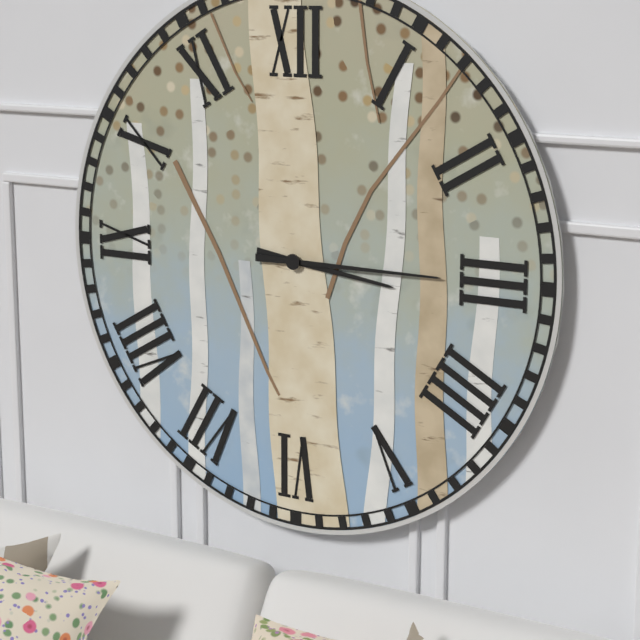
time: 3:15
